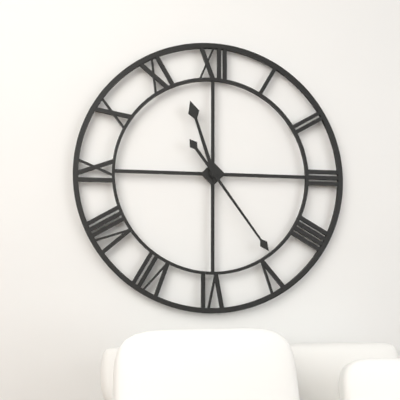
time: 11:24
